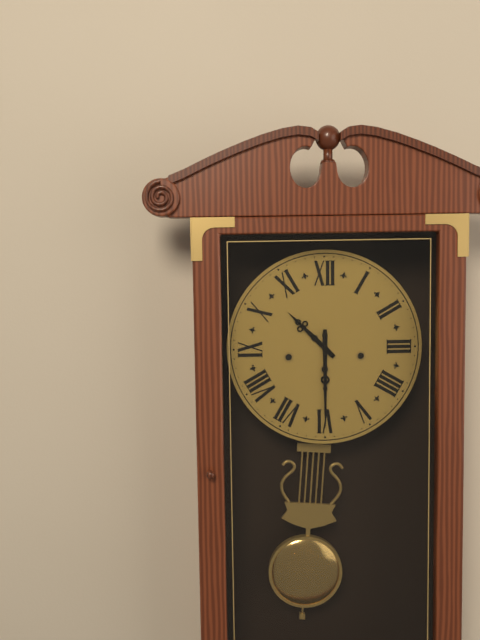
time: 10:30
